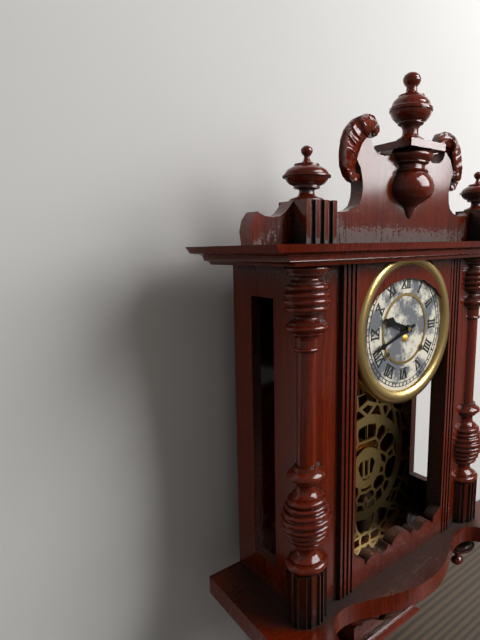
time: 9:42
